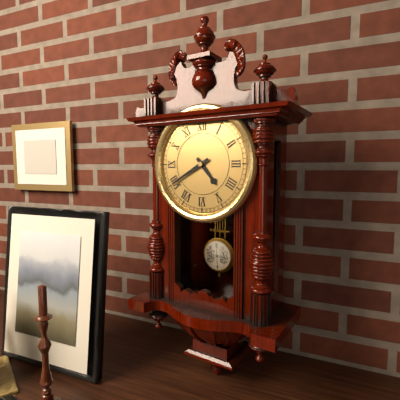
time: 4:40
